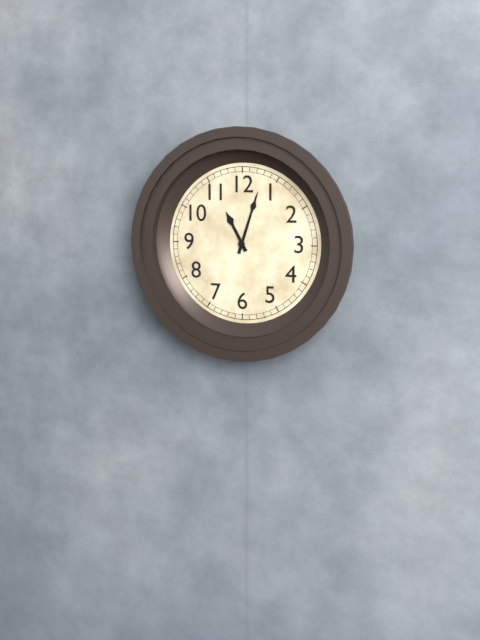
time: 11:03
